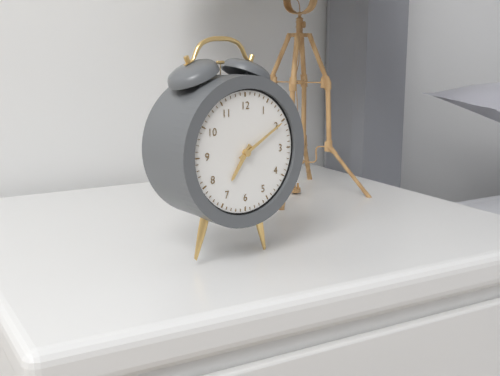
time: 7:10
